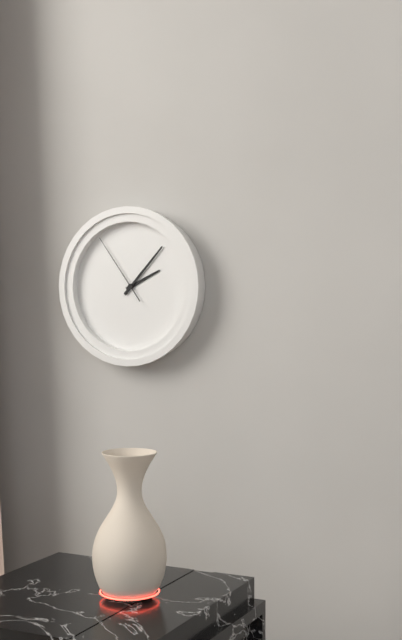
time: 2:07:54
